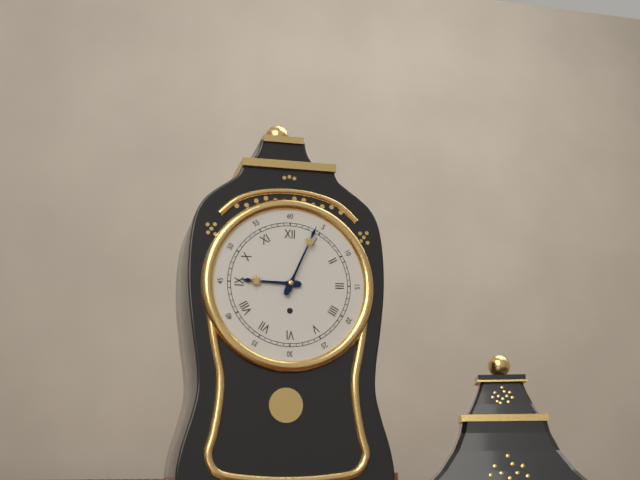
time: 9:04
